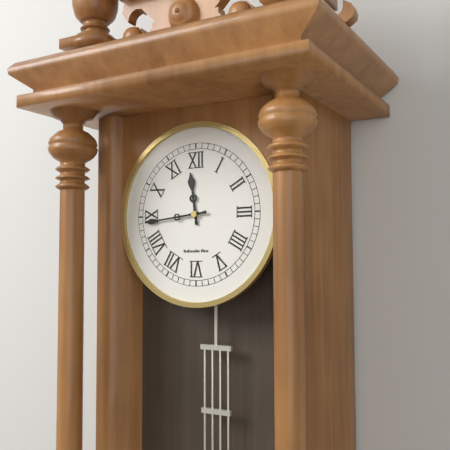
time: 11:44
